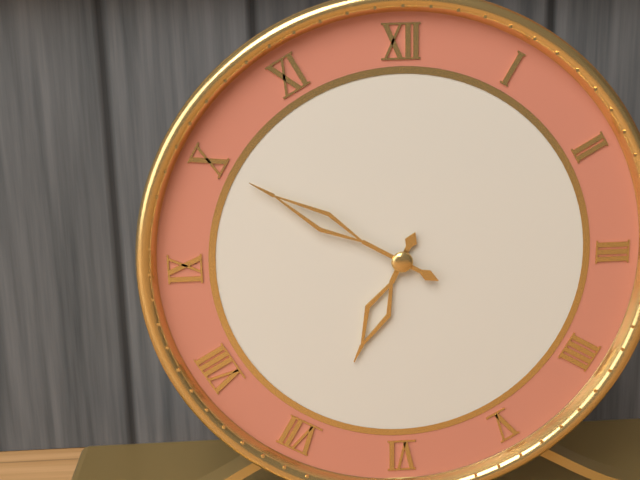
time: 6:50
